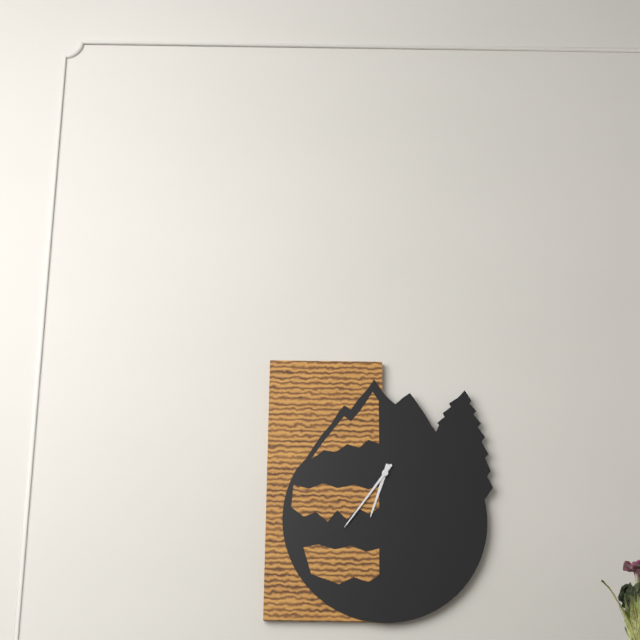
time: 6:36
